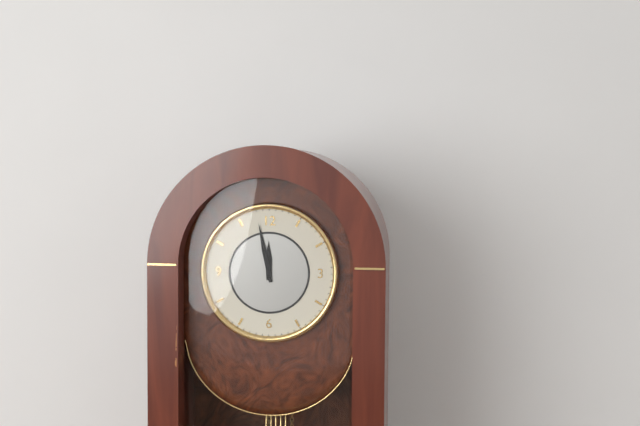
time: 11:58
